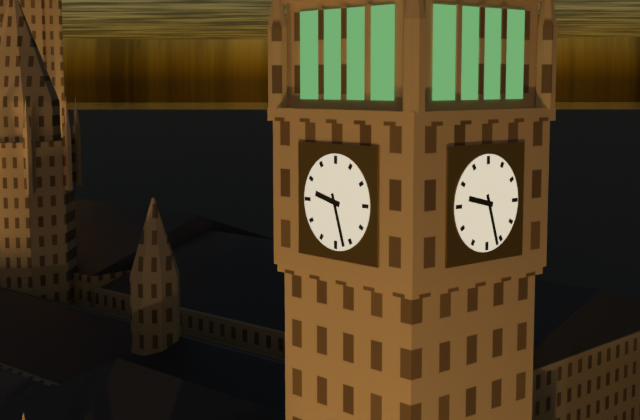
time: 9:27
